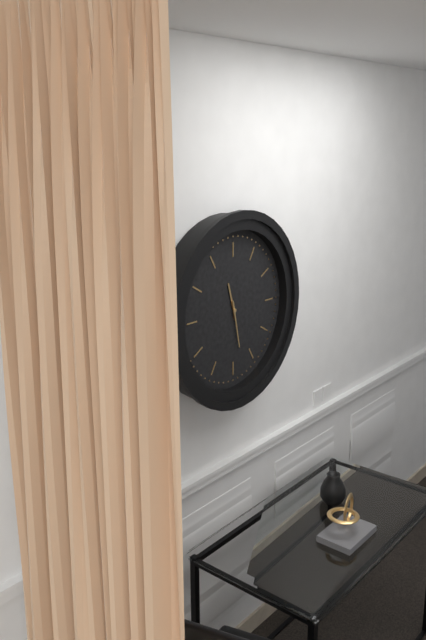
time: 11:28
